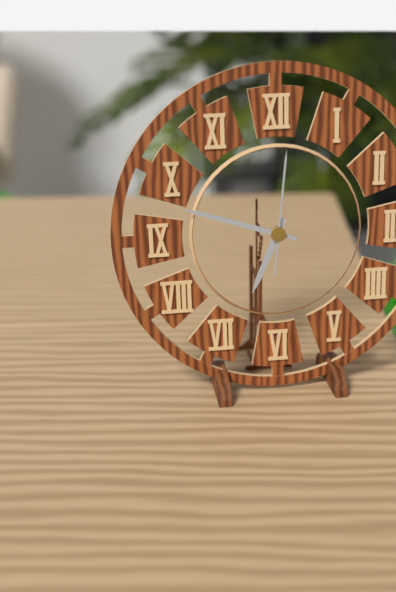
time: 6:48:01
